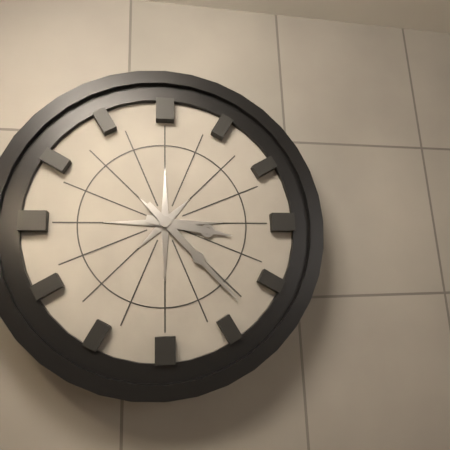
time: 3:23
